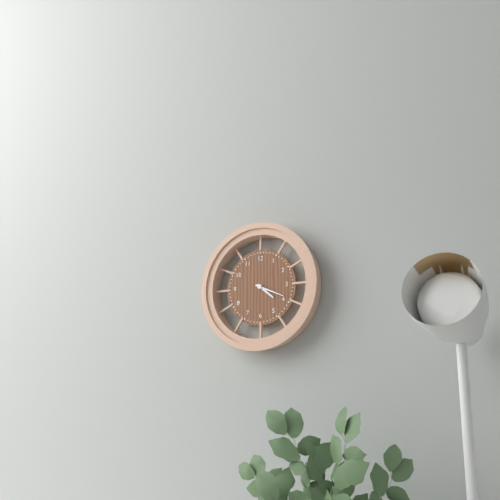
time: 4:19
